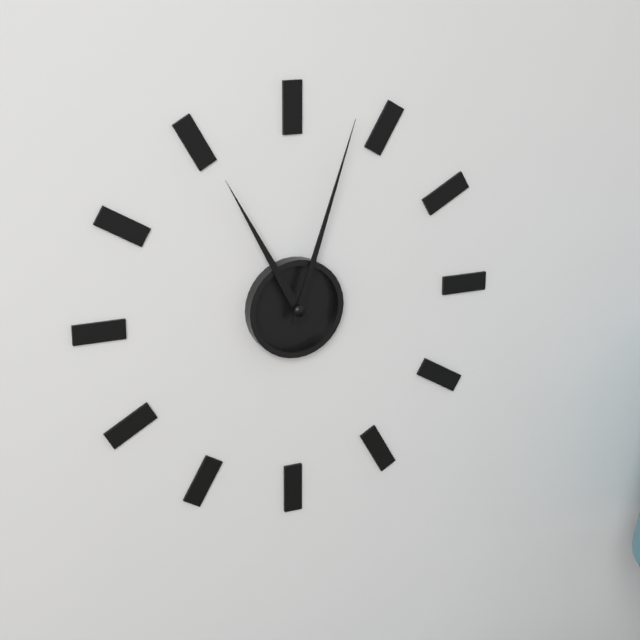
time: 11:03
